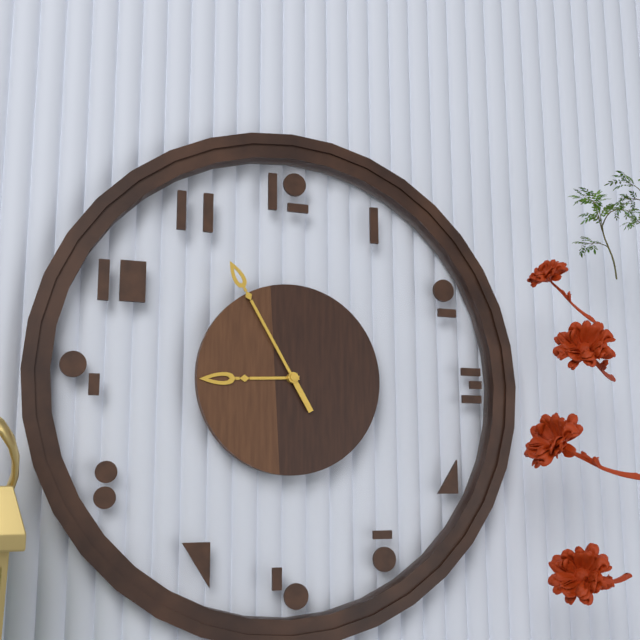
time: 8:55
